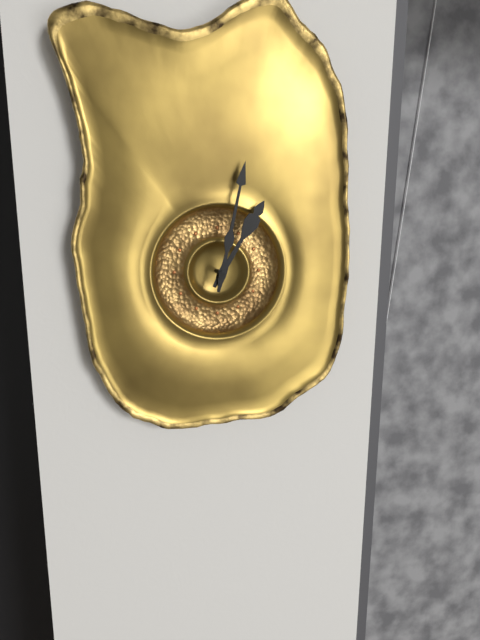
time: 1:02
